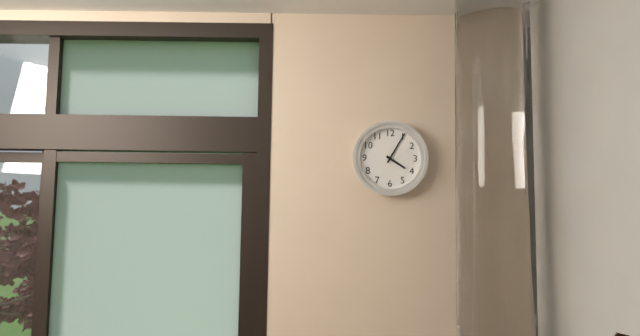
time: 4:05
